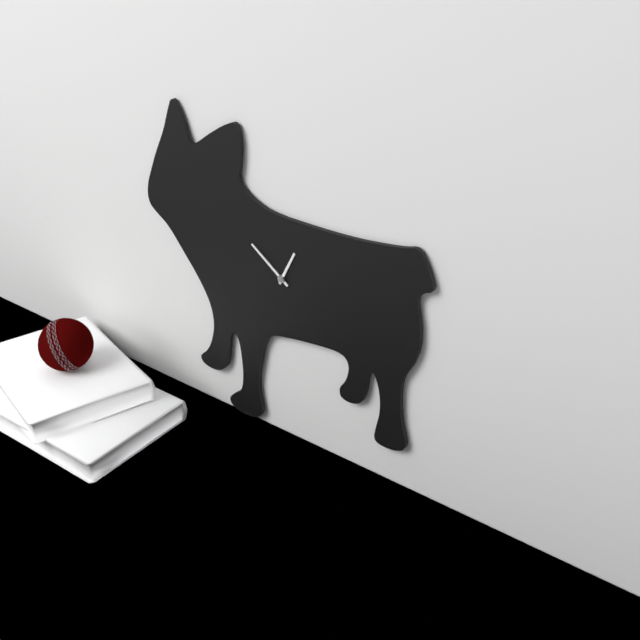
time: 12:51
